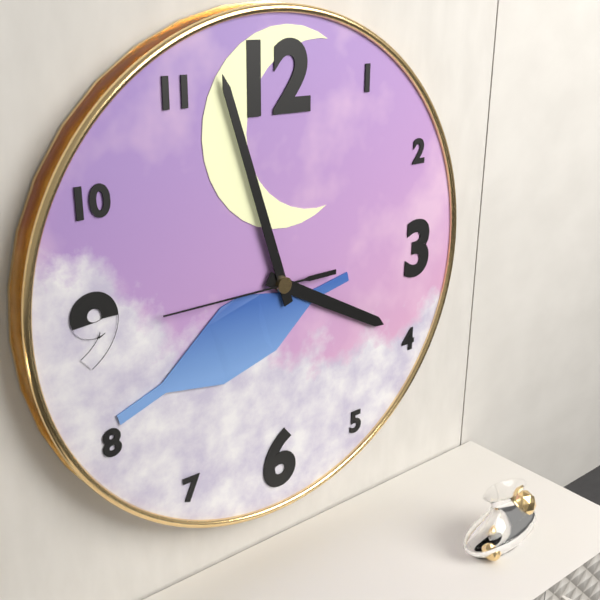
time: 3:57:45
